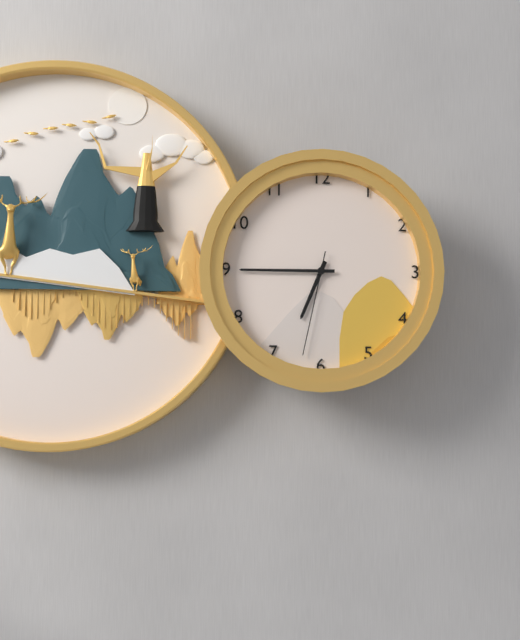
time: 6:45:32
